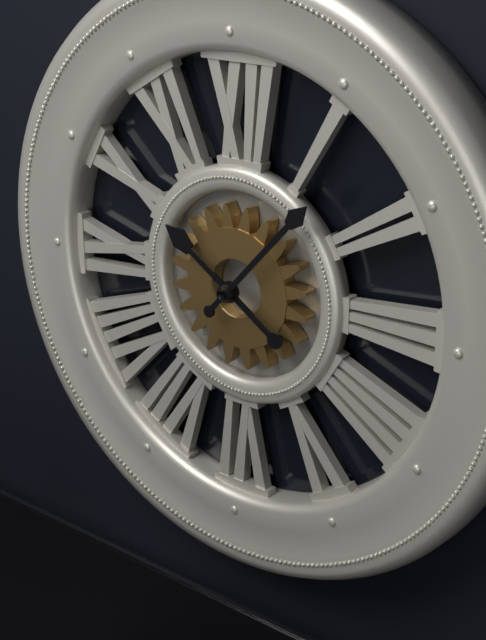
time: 10:07
